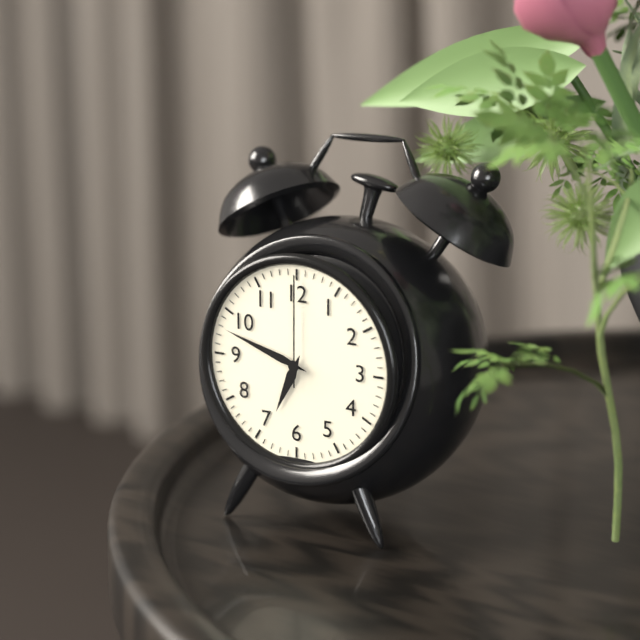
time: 6:48:00
